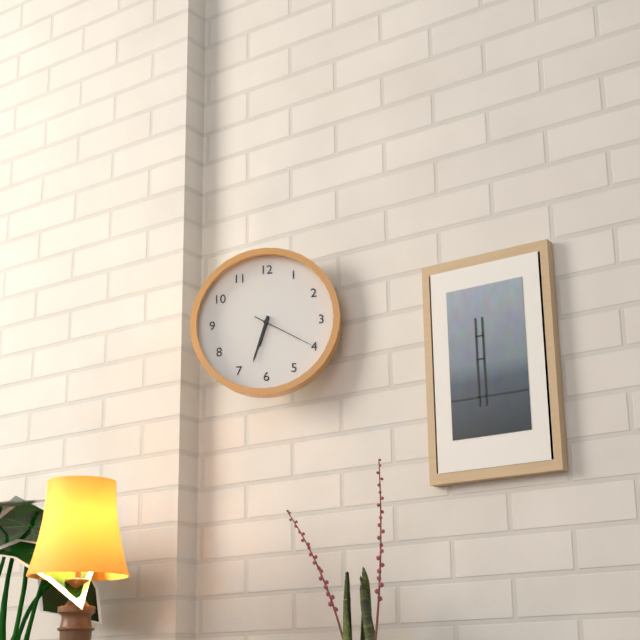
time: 6:33:20
